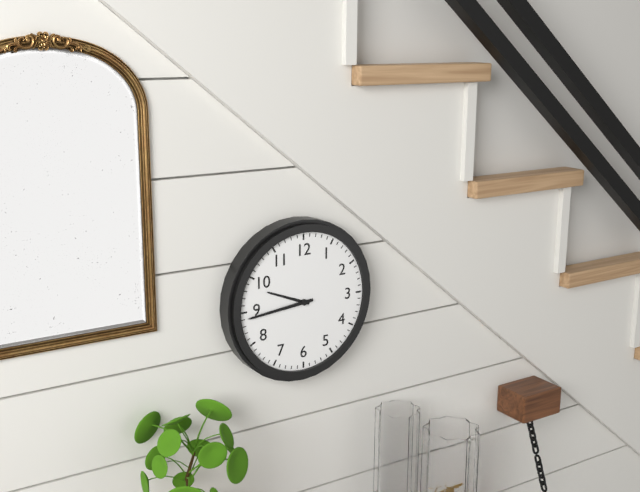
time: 9:44
